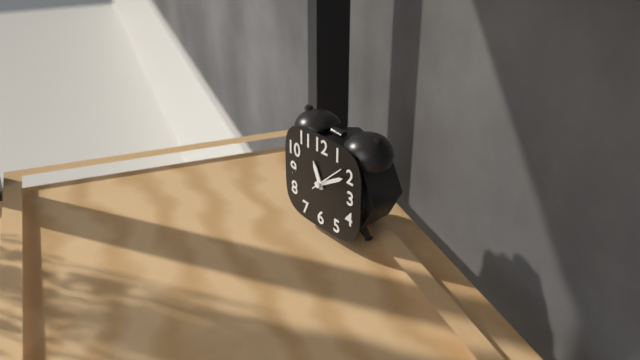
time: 11:10
